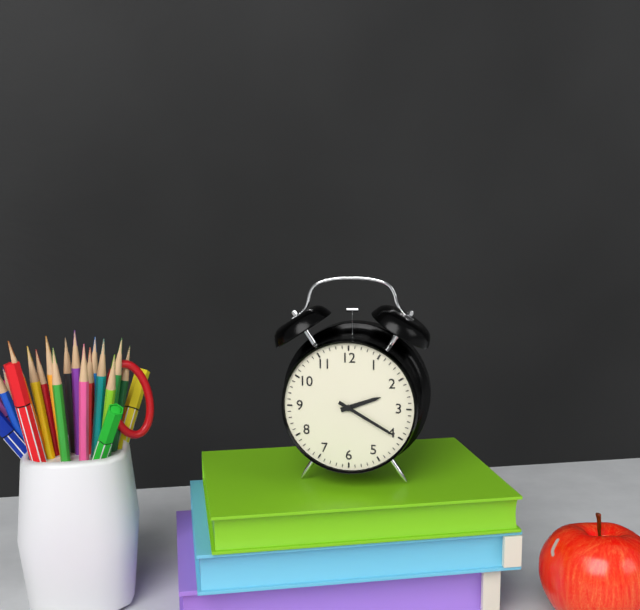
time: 2:20
